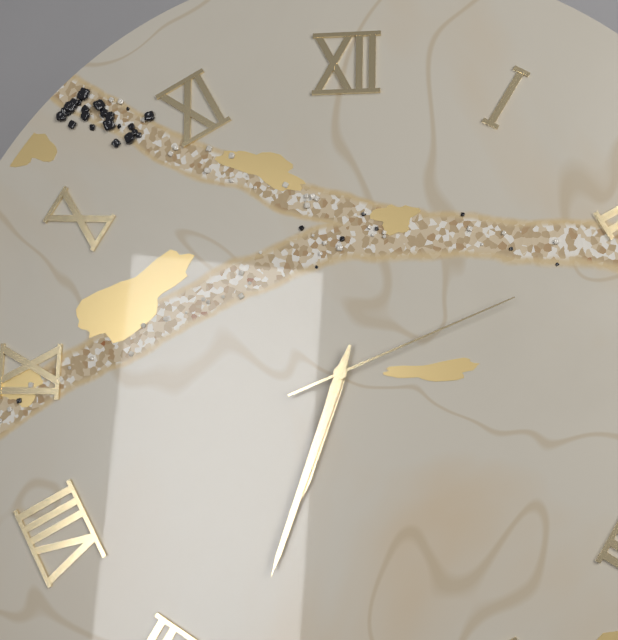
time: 6:33:11
